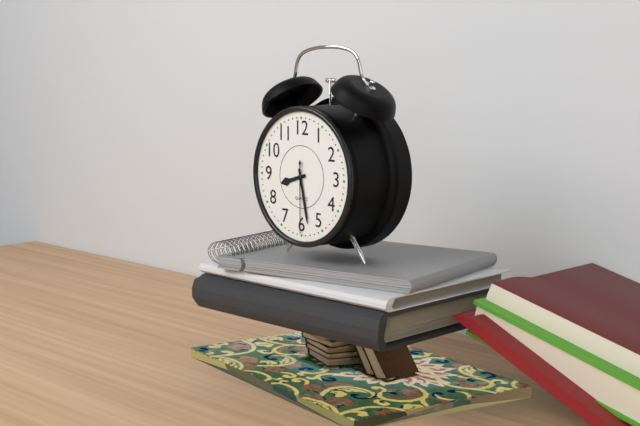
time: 8:28:30
